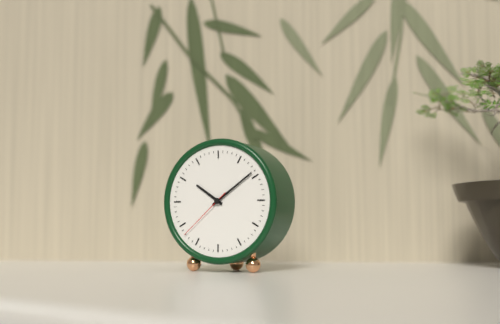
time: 10:09:38
